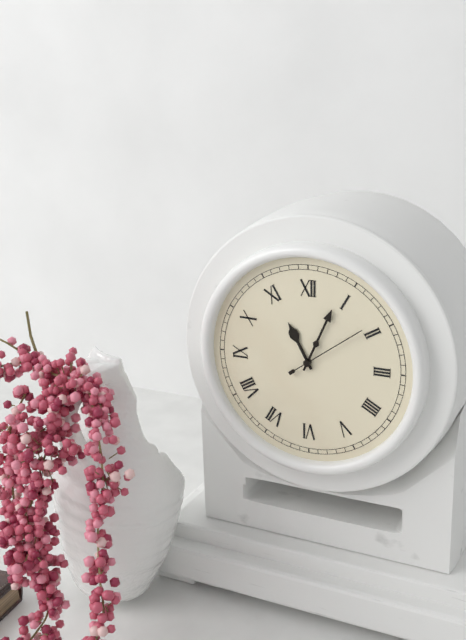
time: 11:04:09
